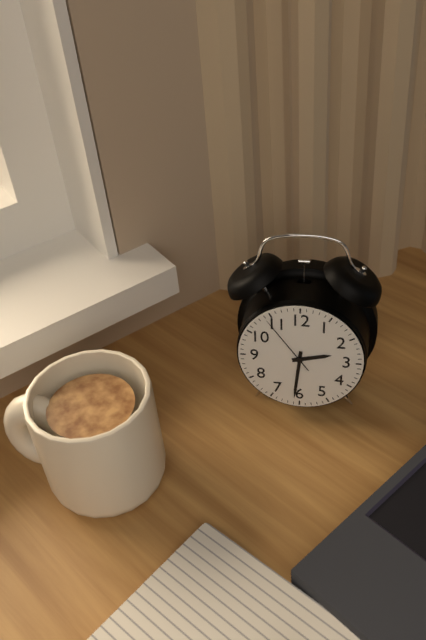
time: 2:31:54
